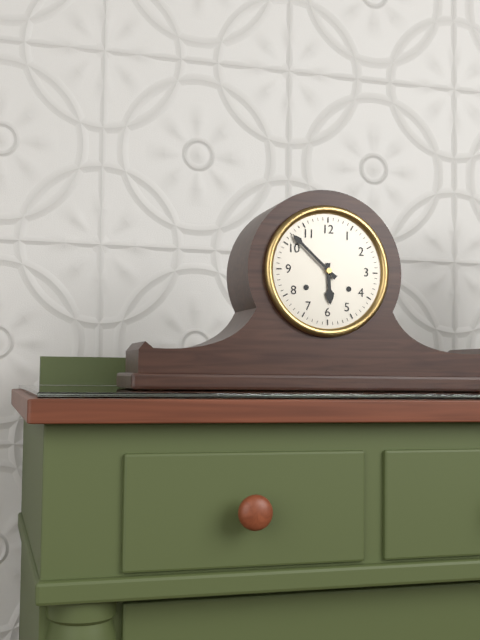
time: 5:52
